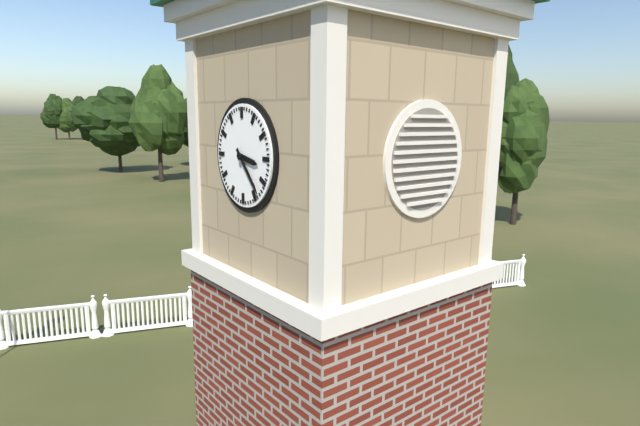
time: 3:23
